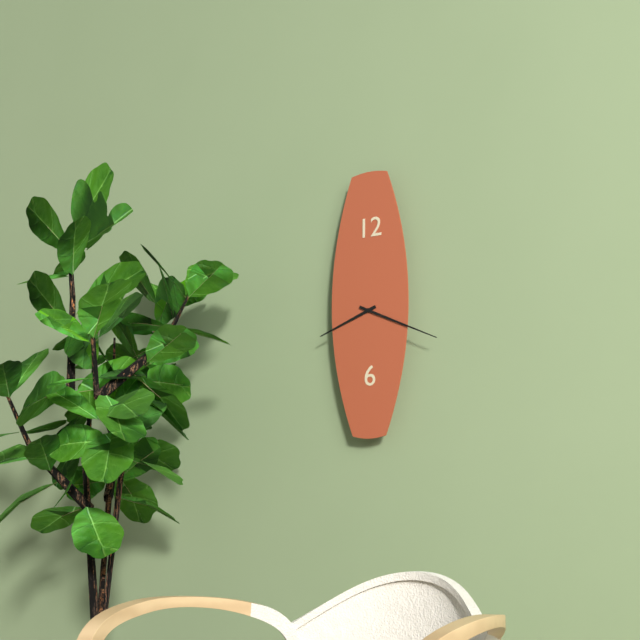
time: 8:19
